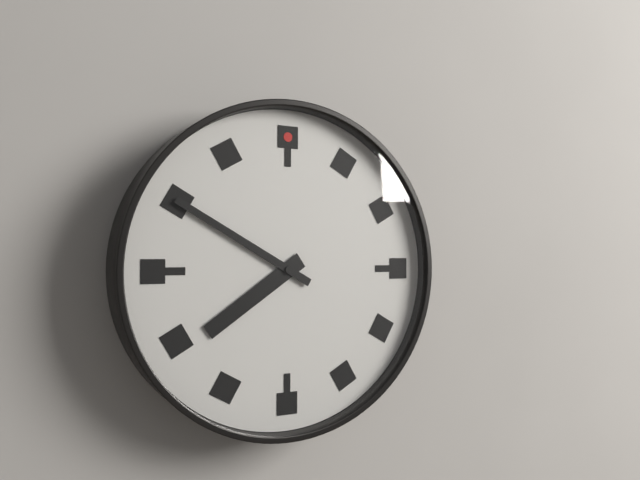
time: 7:50
